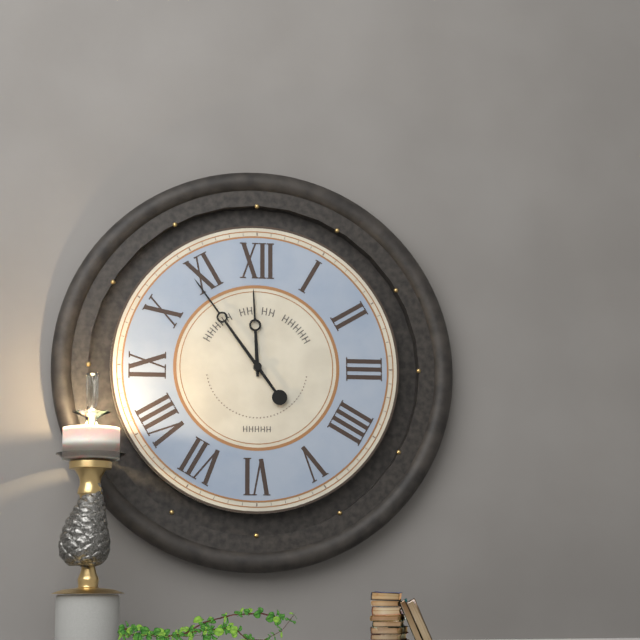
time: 11:54
